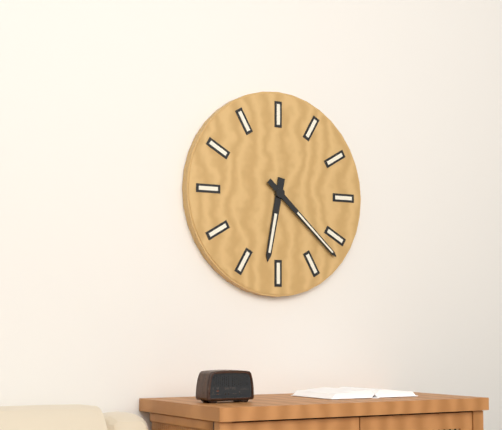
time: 6:22
